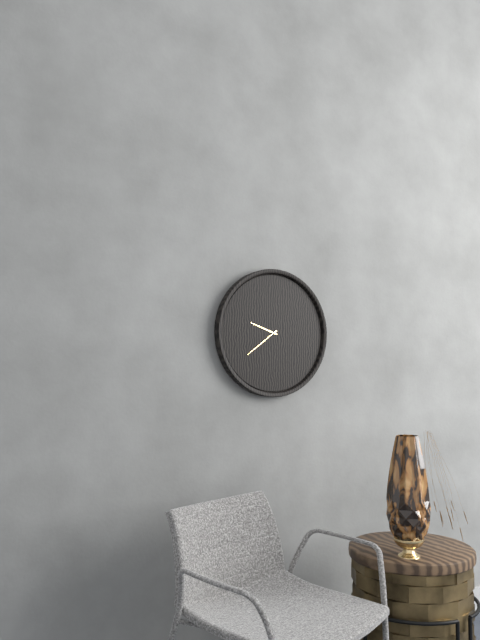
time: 9:39
